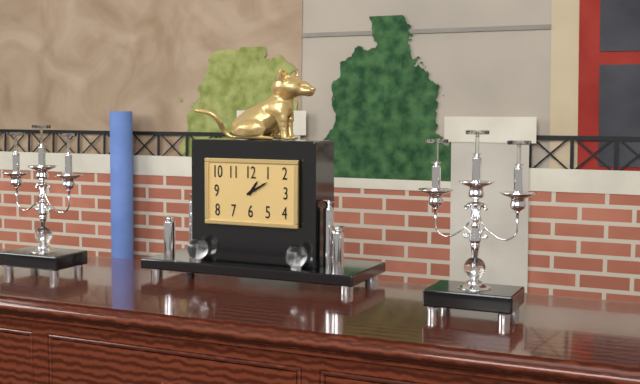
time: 1:10
